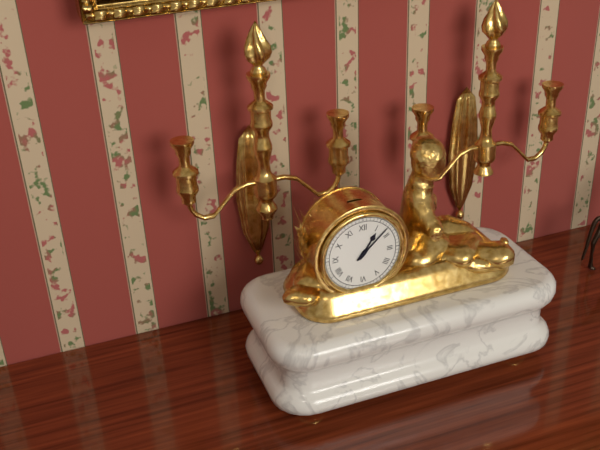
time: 1:08
